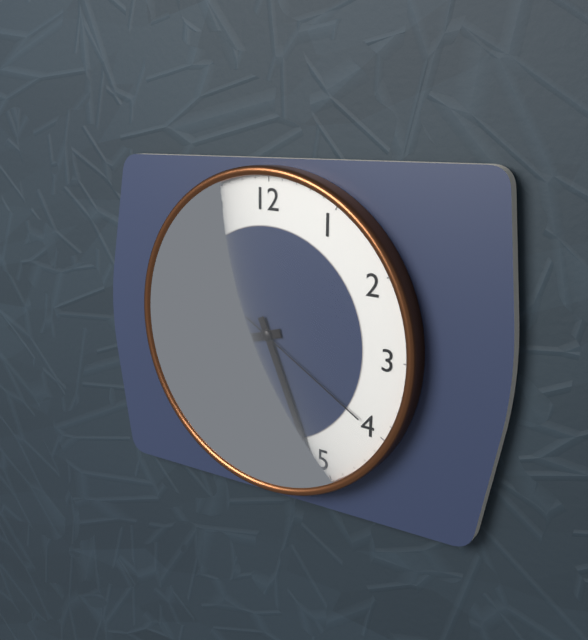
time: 8:26:20
